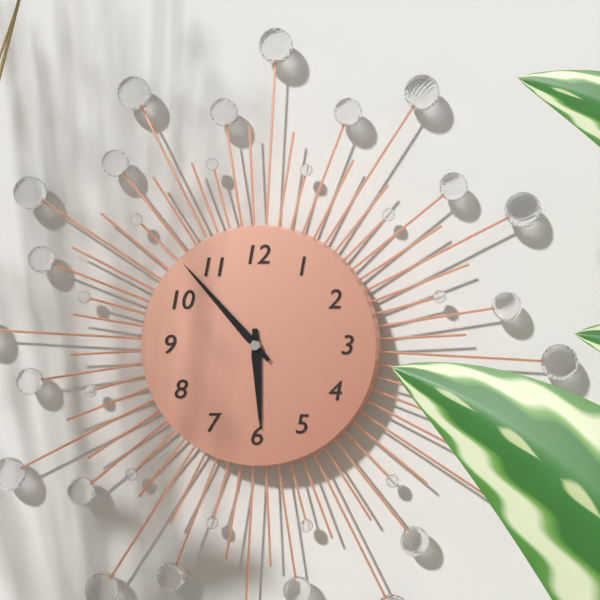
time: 5:53
